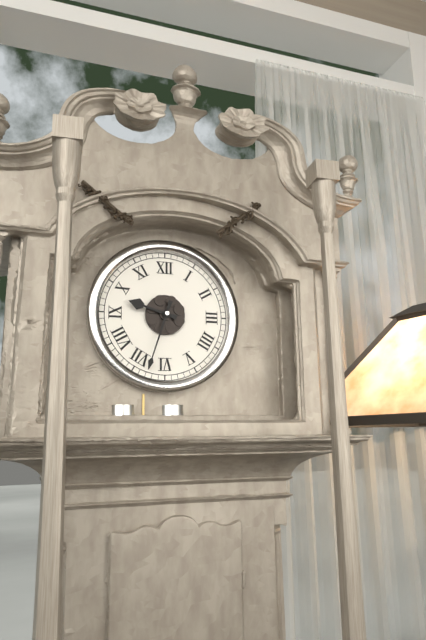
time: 9:33
